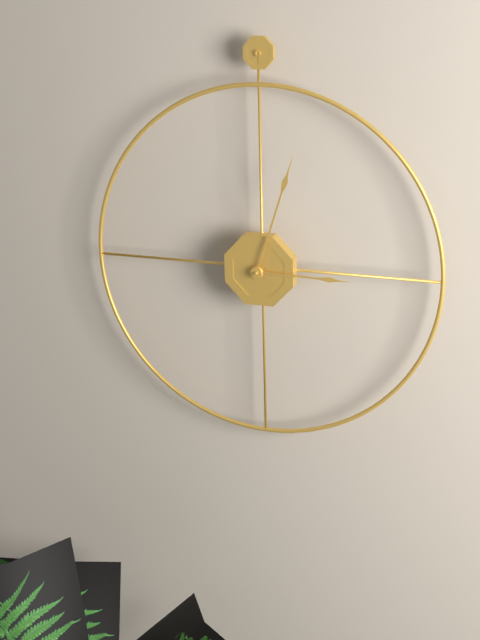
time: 3:03
